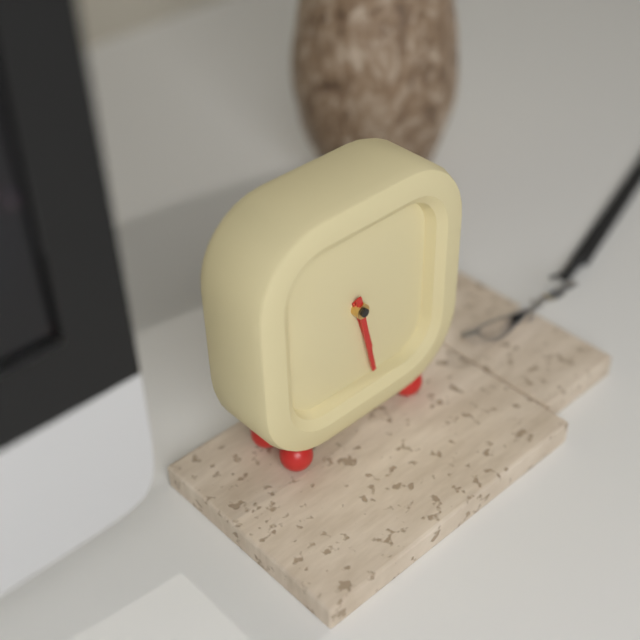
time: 5:28
